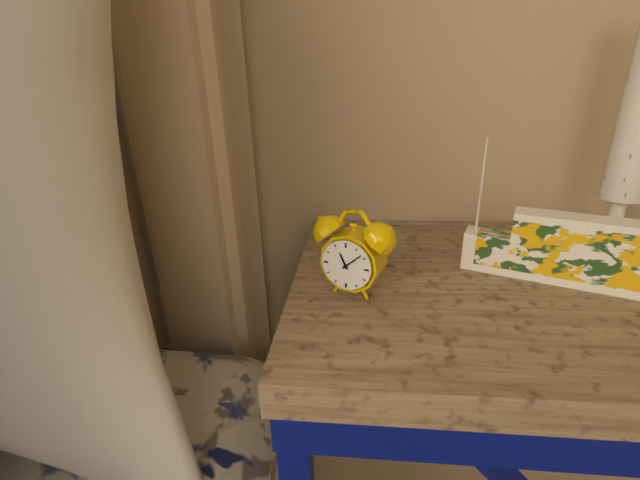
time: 11:08
